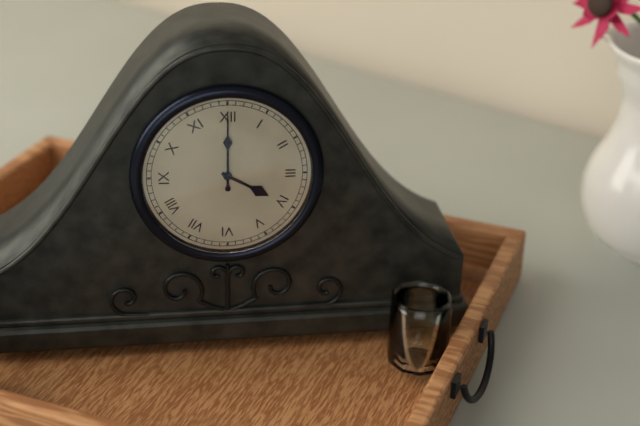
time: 4:00
